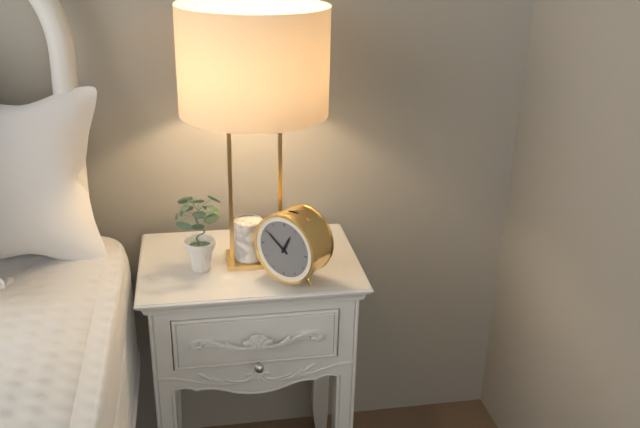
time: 12:51
